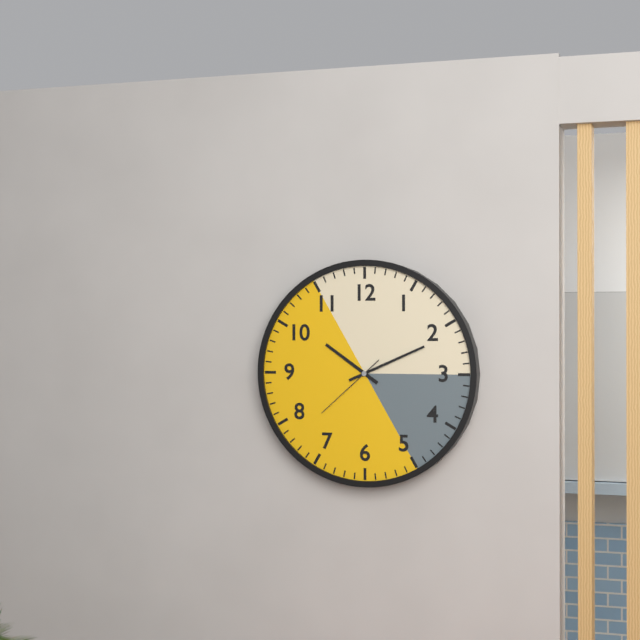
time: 10:11:38
